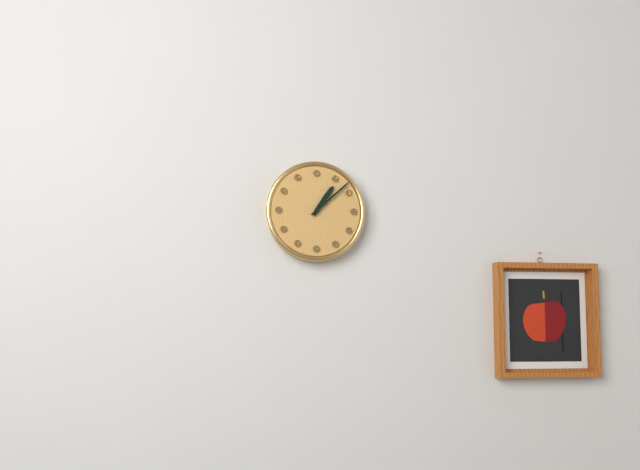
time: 1:08
